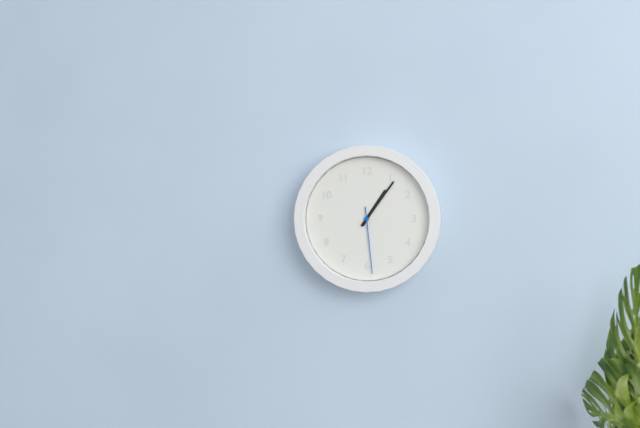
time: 1:06:29
